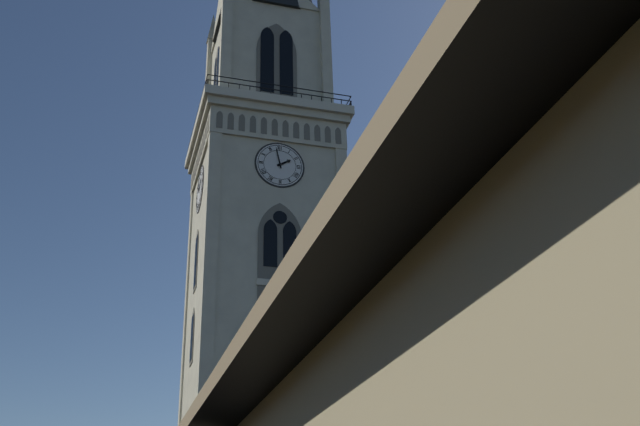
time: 1:58
